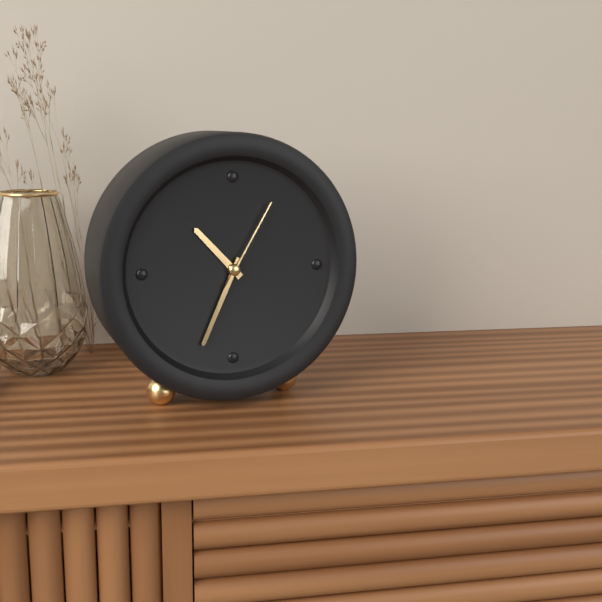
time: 10:34:05
